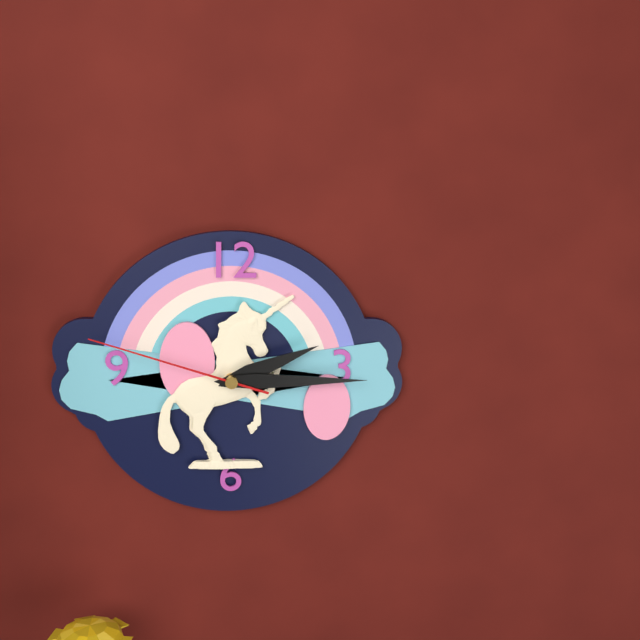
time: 2:15:48
